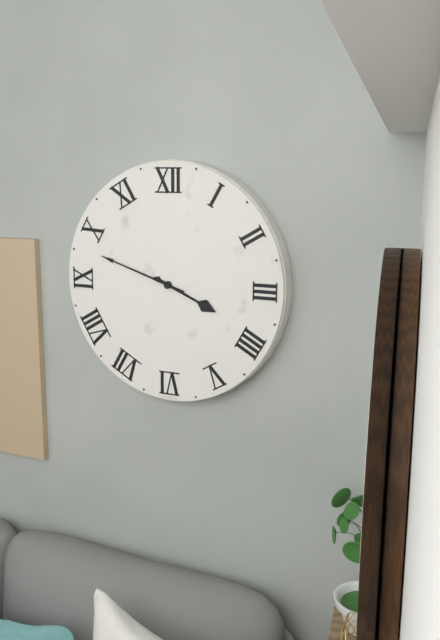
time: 3:48
